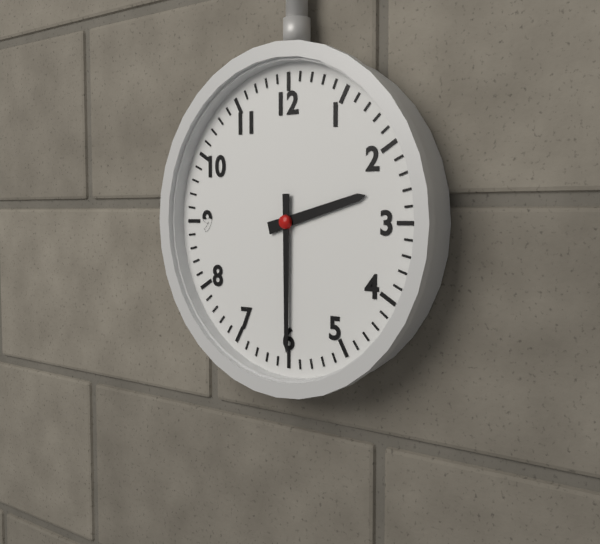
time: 2:30
